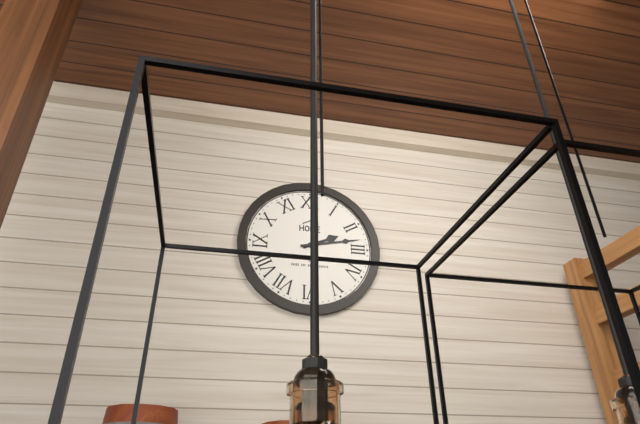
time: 2:13
